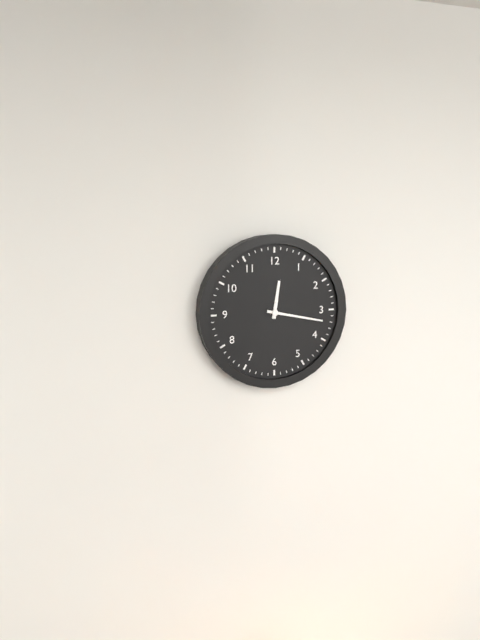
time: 12:17
